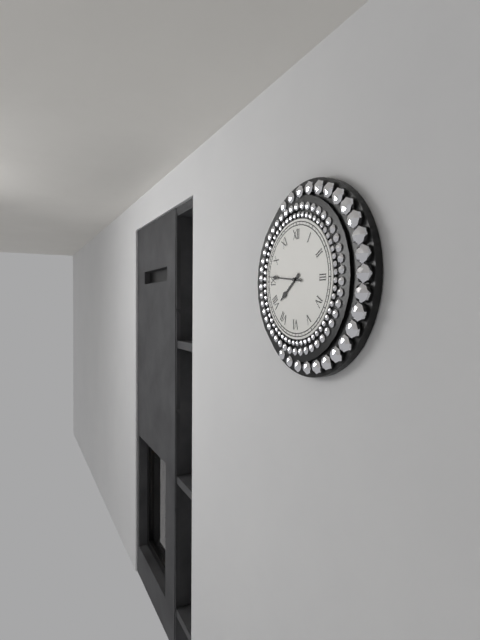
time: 7:46
